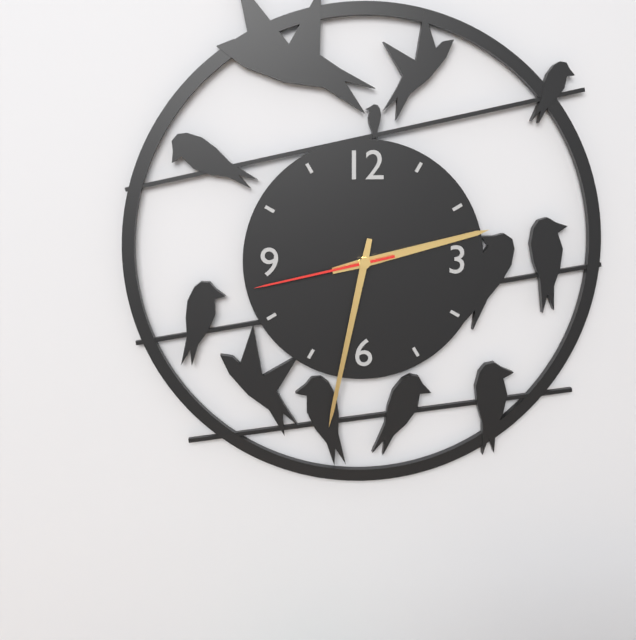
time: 2:32:43
